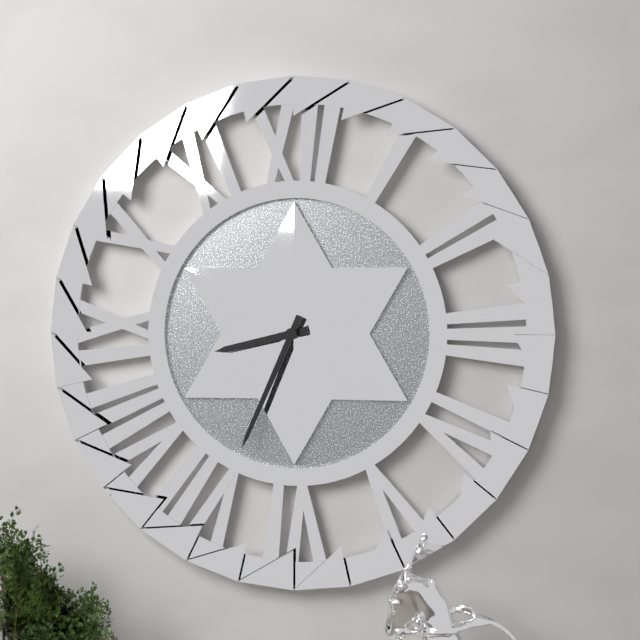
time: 8:34
